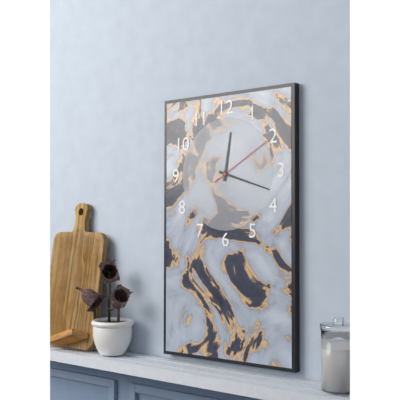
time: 12:18:10
